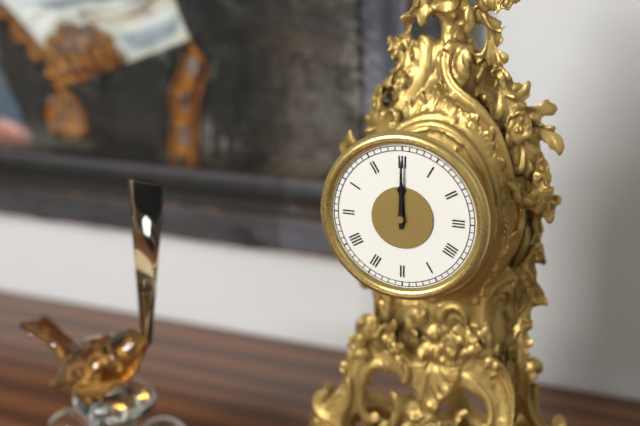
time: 12:00
